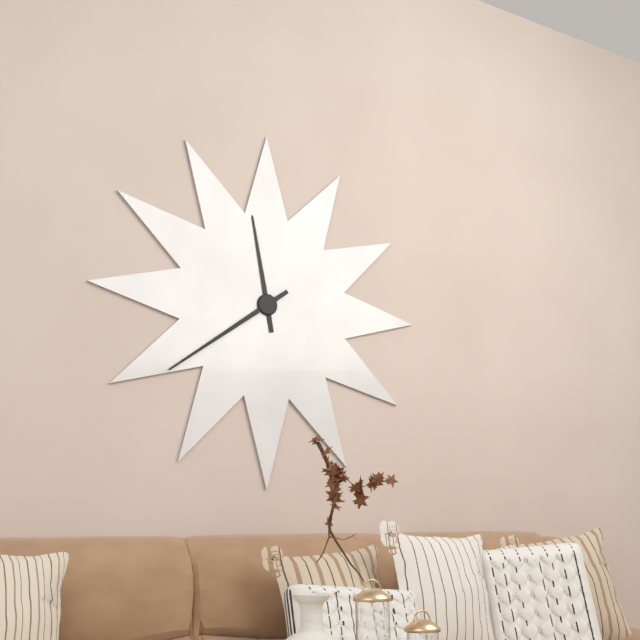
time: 11:39
